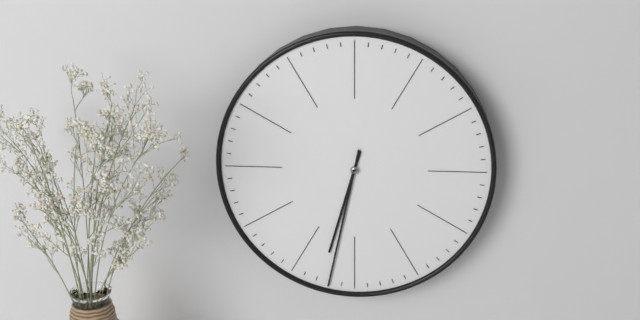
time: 6:32
